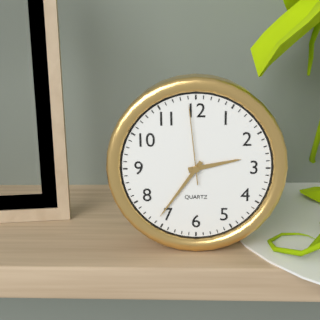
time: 2:36:59
